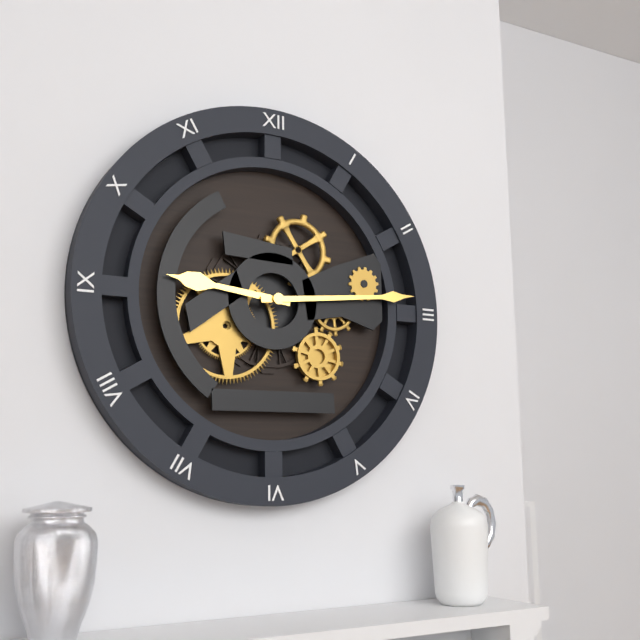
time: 9:14
